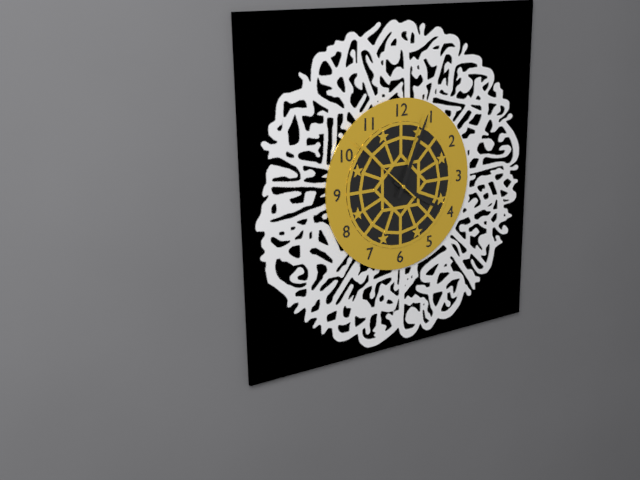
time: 4:04:52
